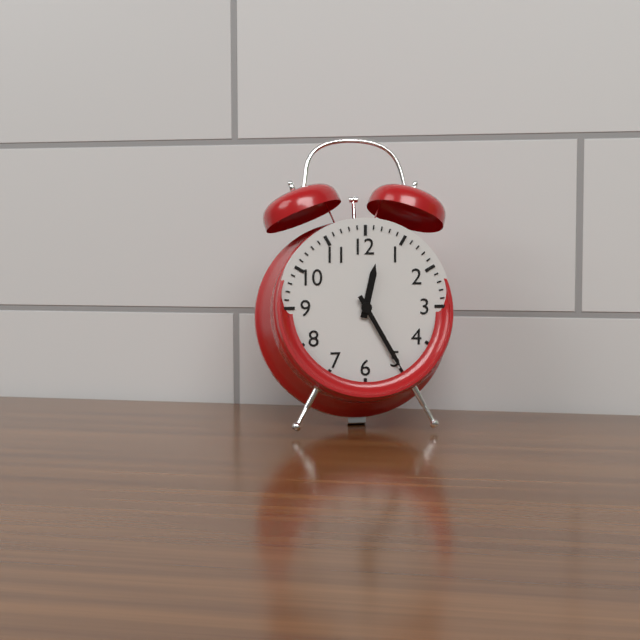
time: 12:25
